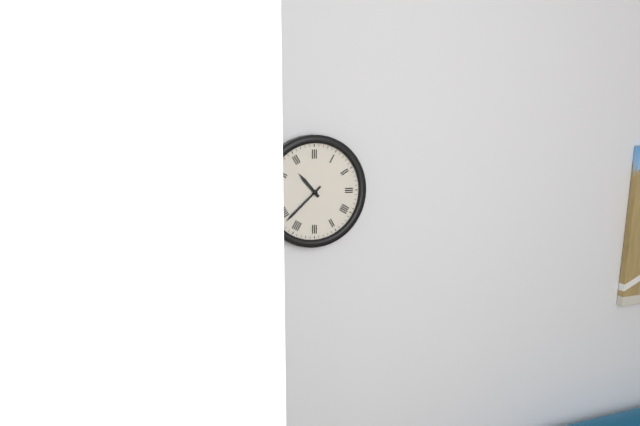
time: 10:38
